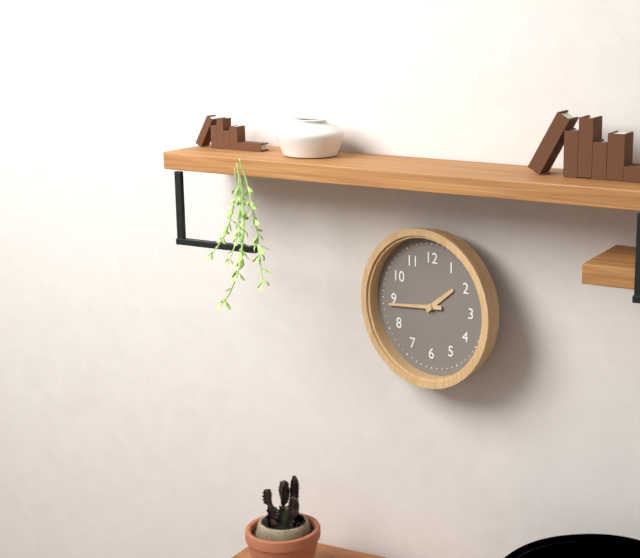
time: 1:44
